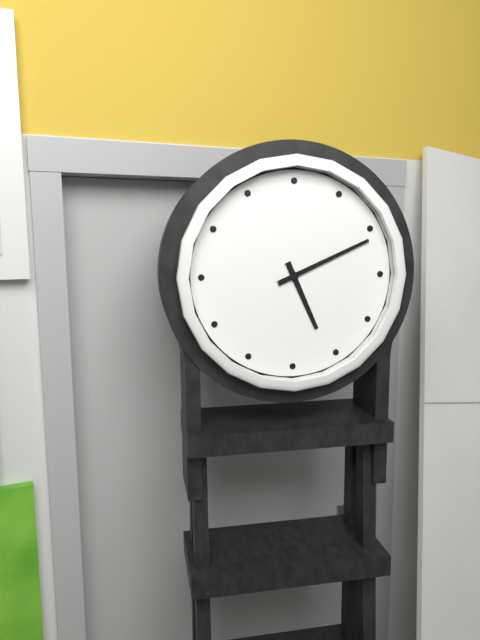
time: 5:11
